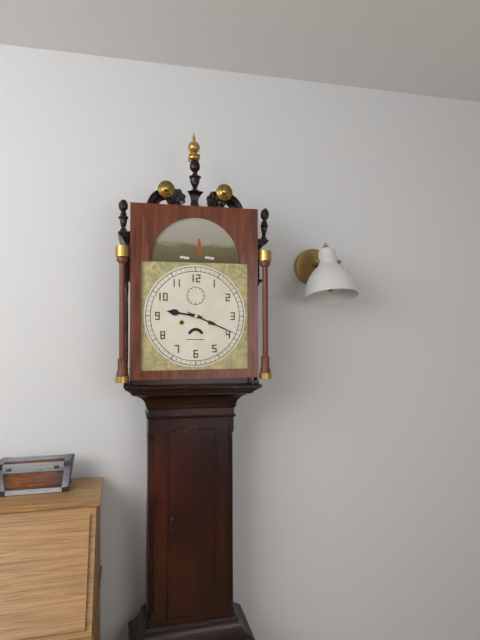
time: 9:19
